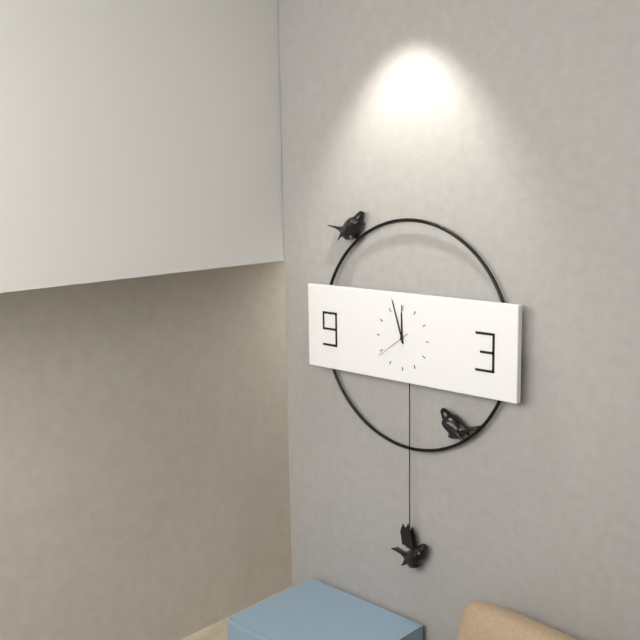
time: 11:57
